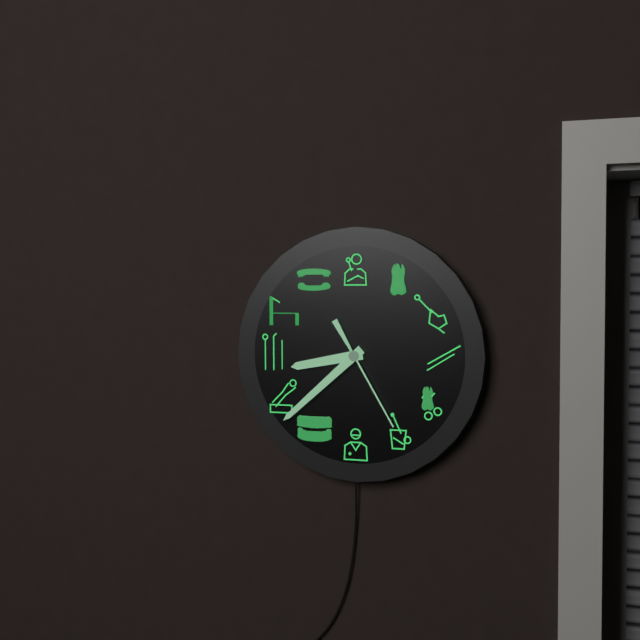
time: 8:38:25
